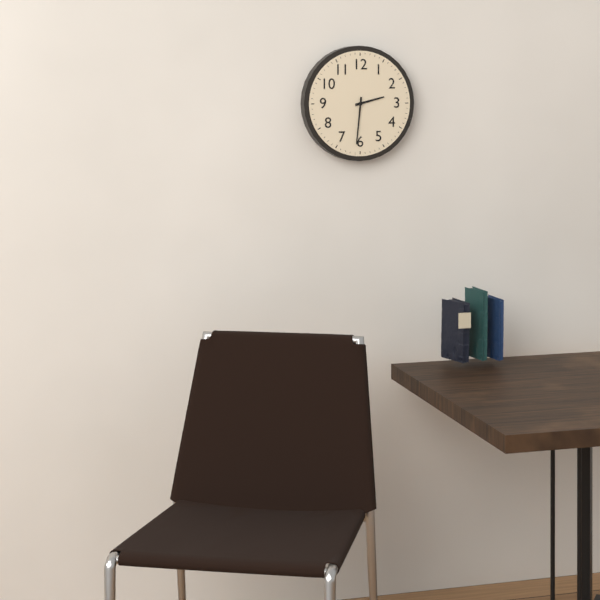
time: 2:31
